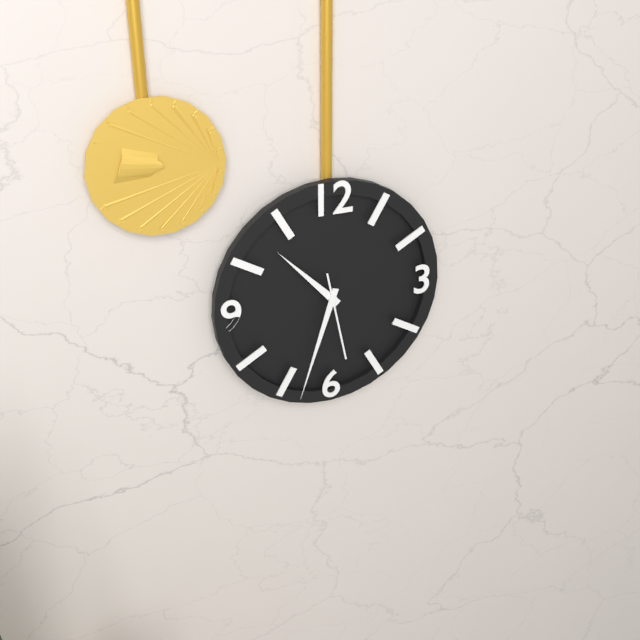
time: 10:33:28
